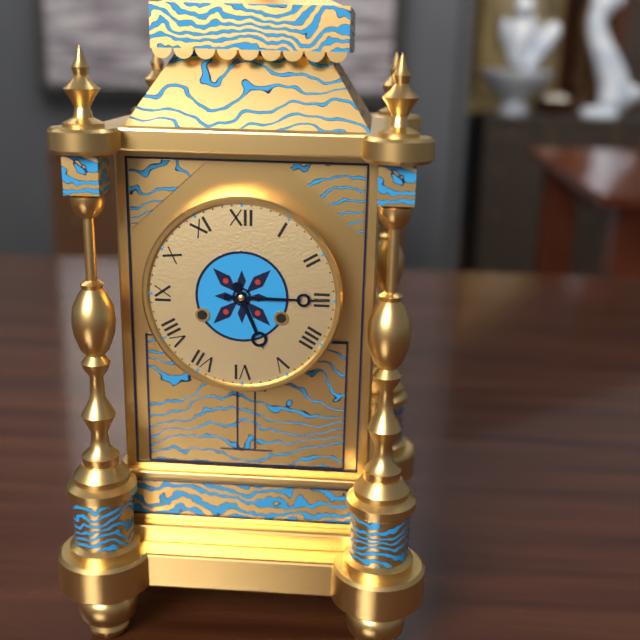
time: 5:15
